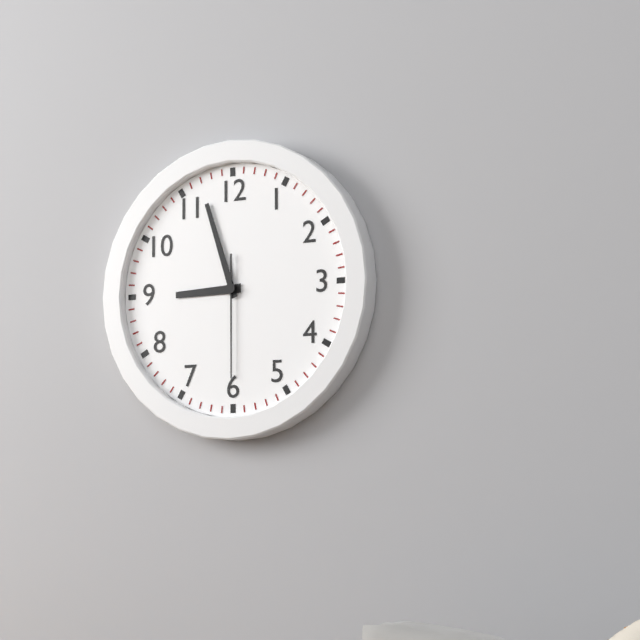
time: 8:57:30
